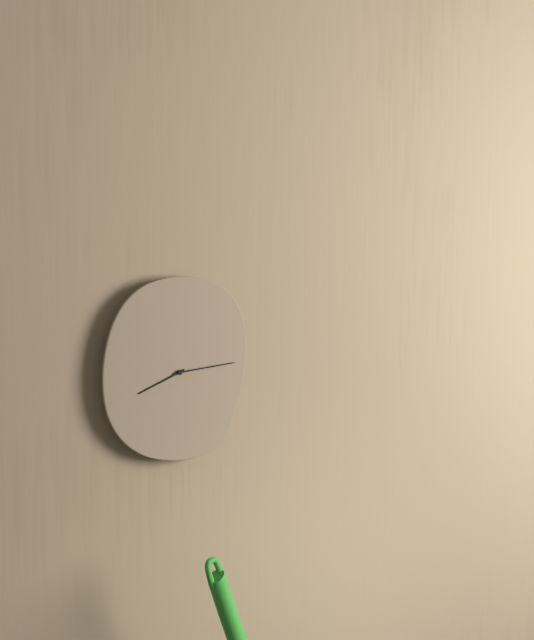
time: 8:14
